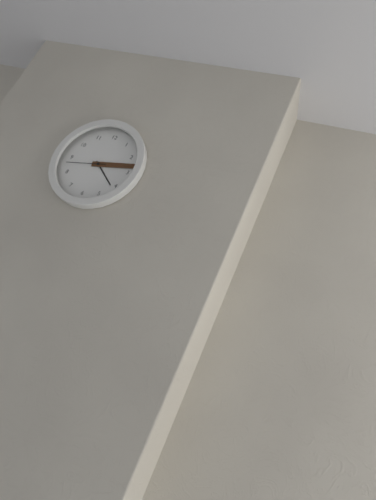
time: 4:13
